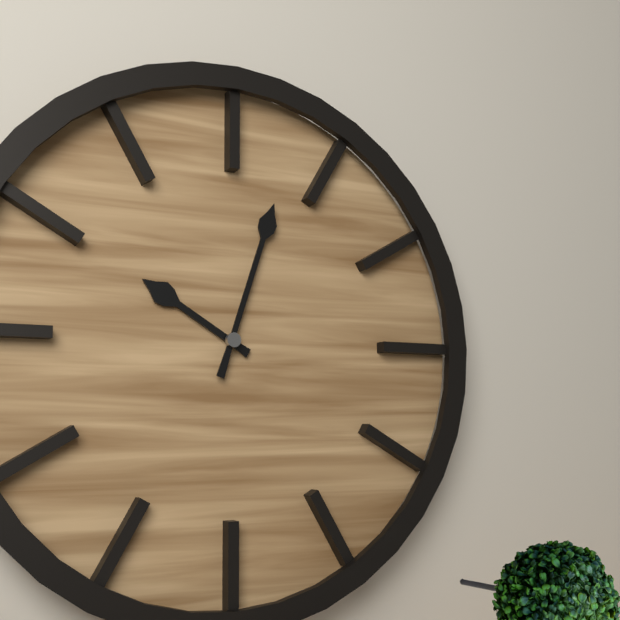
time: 10:03
